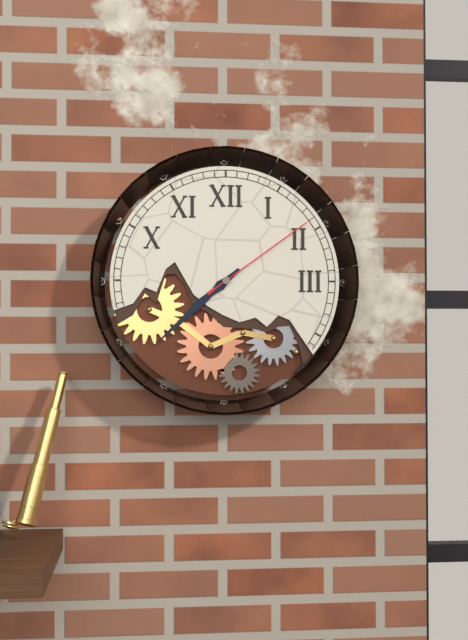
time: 7:38:09
